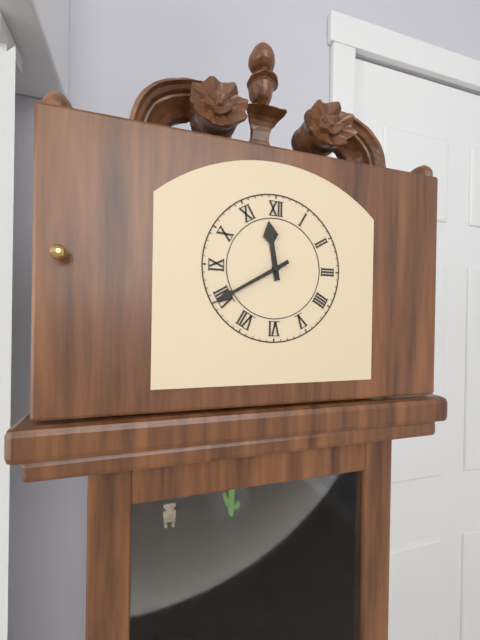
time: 11:40
